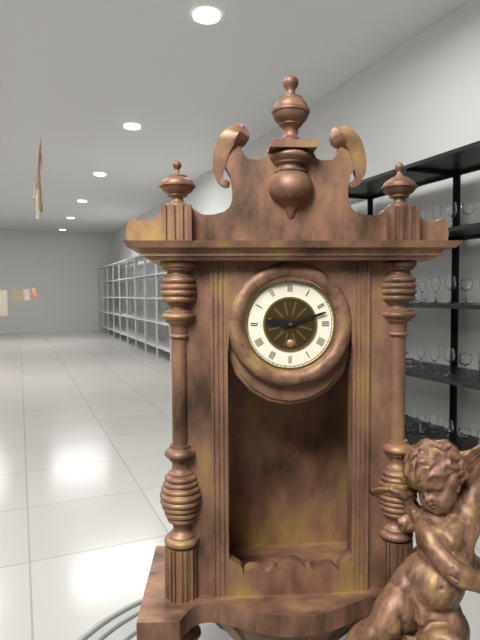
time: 9:12
